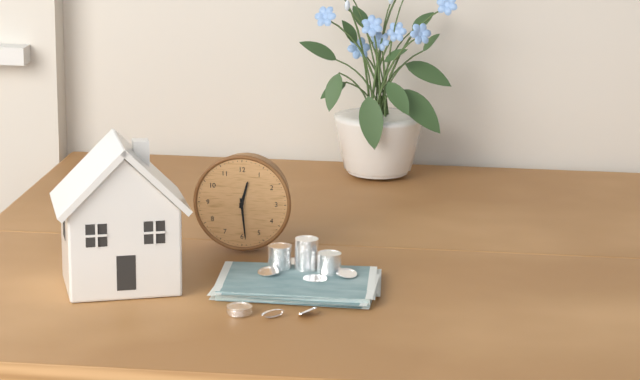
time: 12:29
